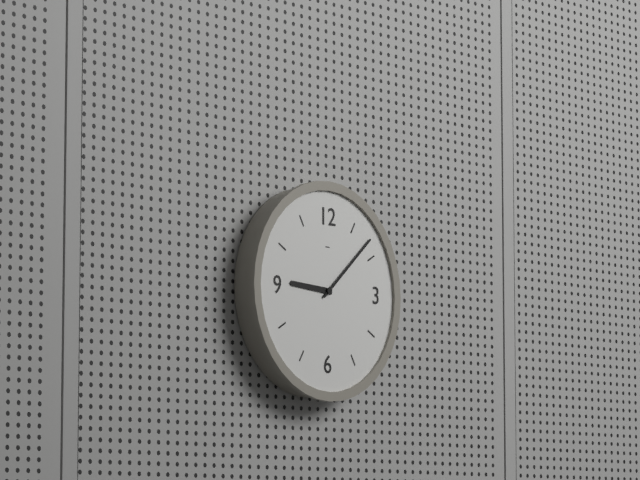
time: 9:08
